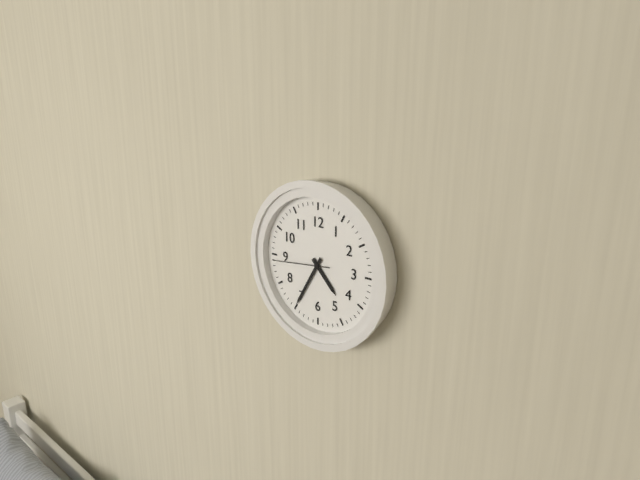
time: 4:35:44
